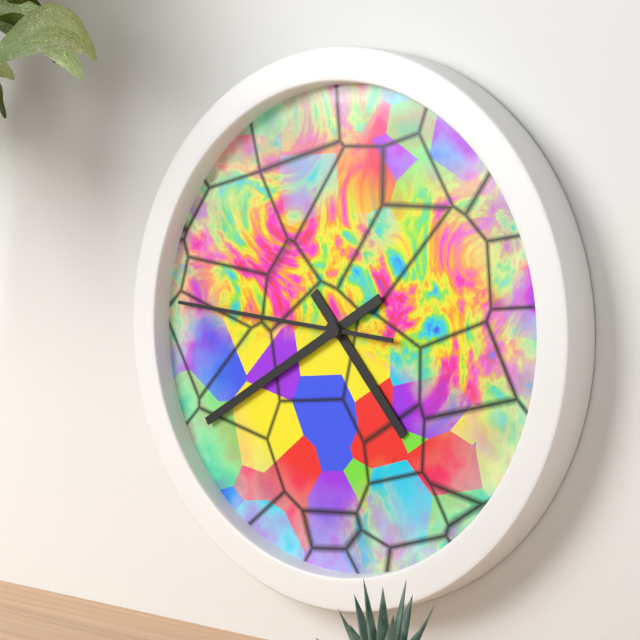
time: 4:40:46
